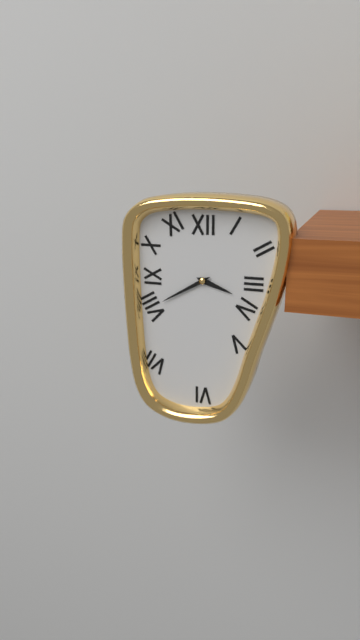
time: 3:40
